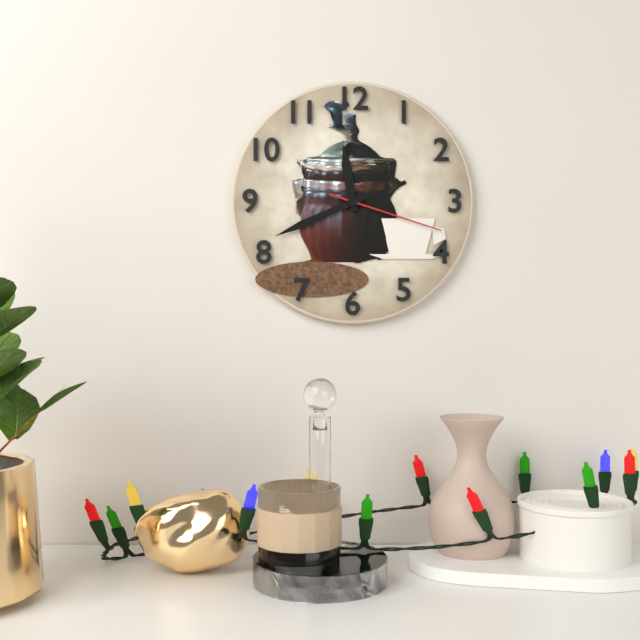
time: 11:41:18
